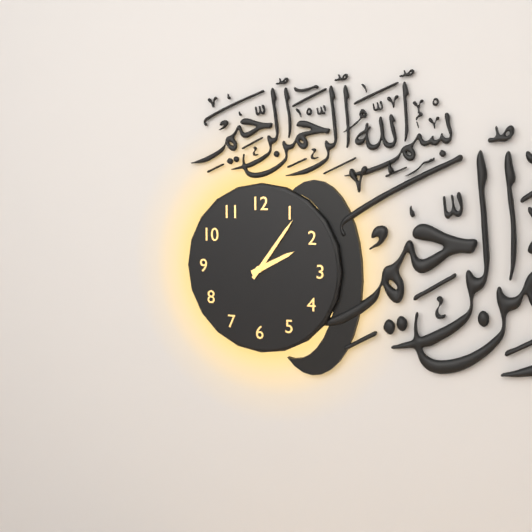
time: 2:06
